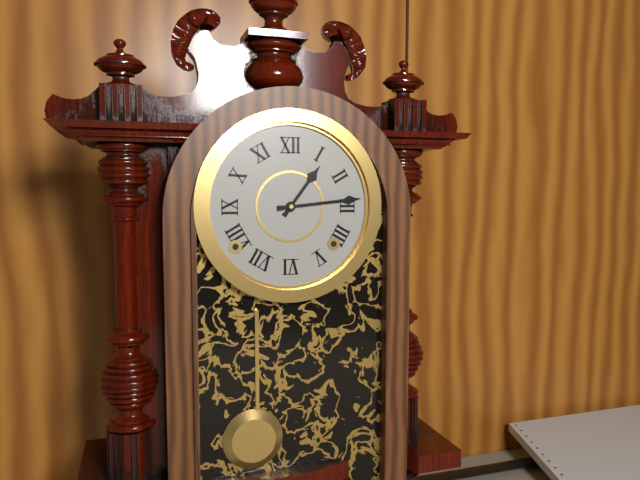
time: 1:14
